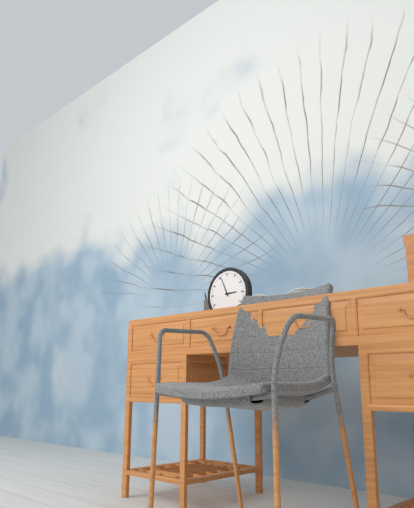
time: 2:56
